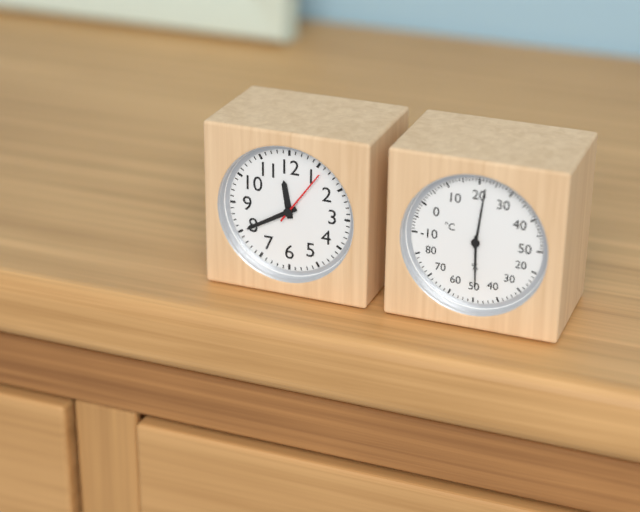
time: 11:40:06
